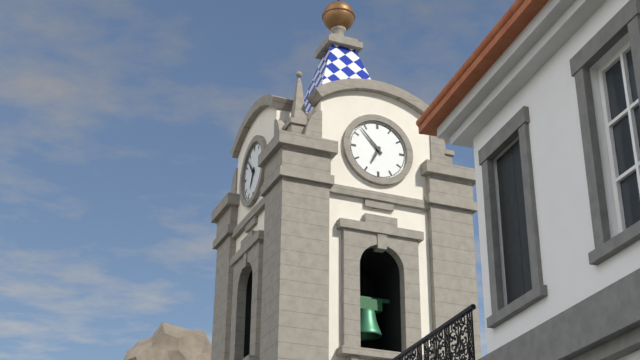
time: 6:53
